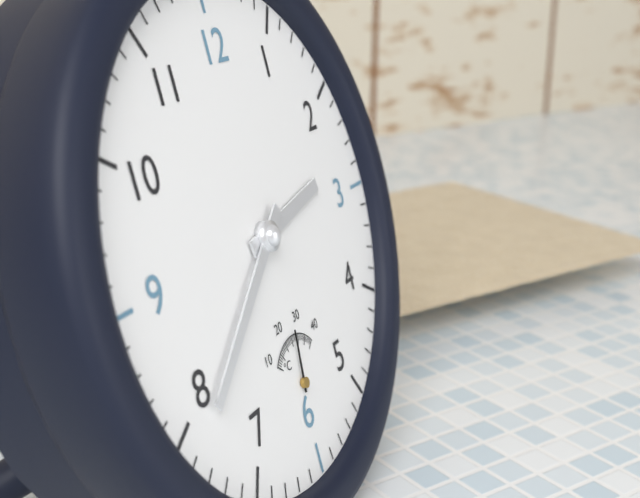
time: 2:39
